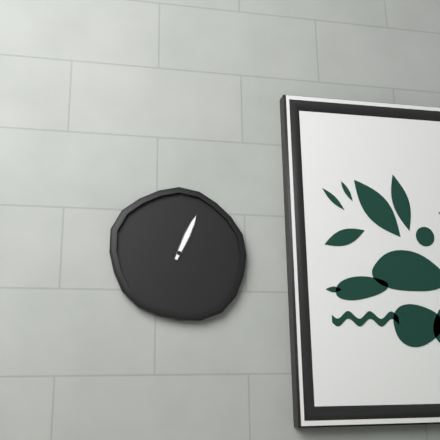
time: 12:04
